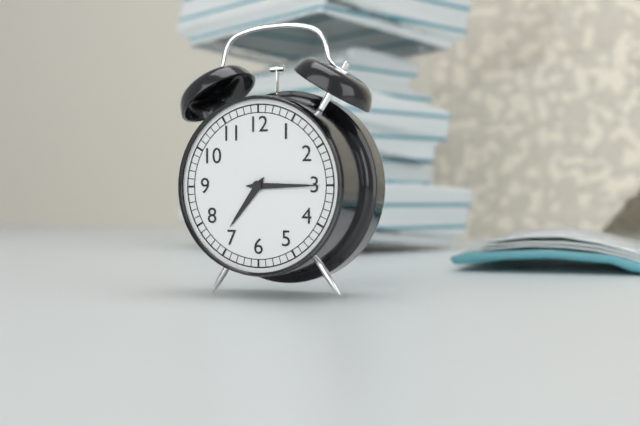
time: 7:15
